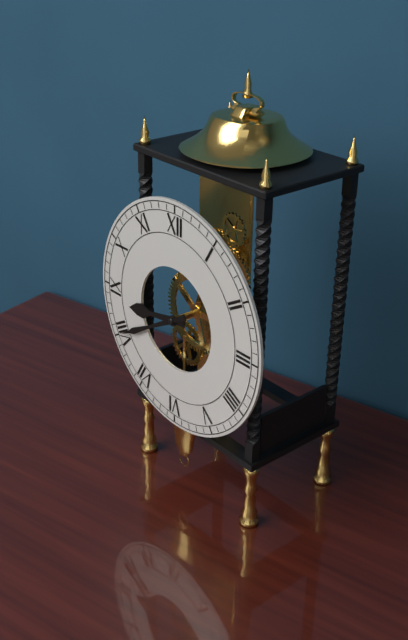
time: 8:40
